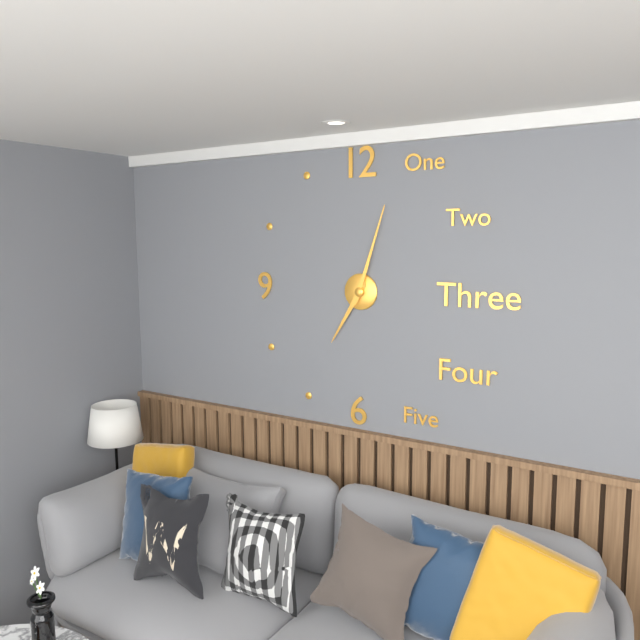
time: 7:03
